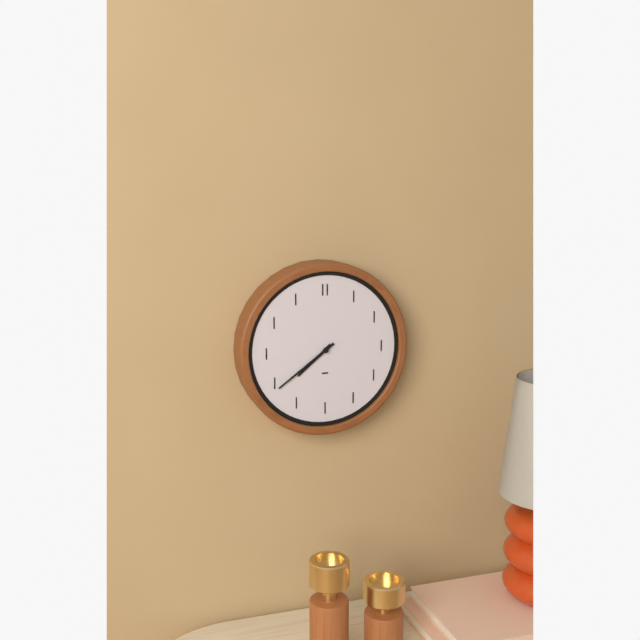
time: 7:39
